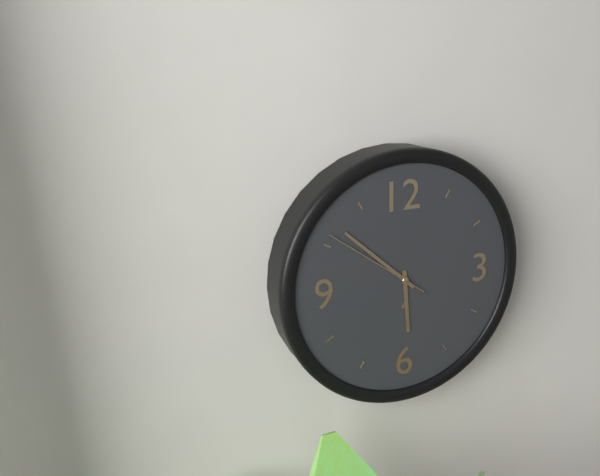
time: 5:52:51
